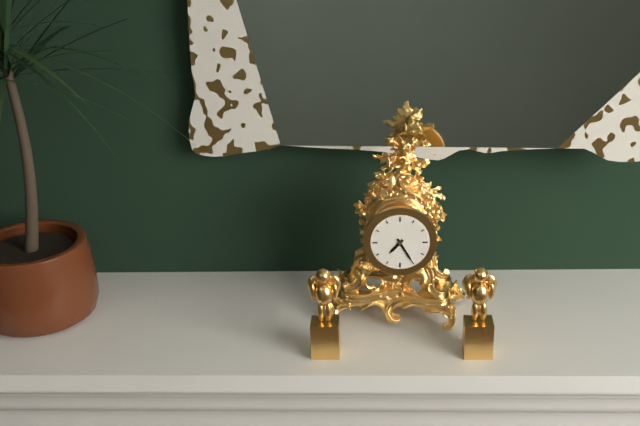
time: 7:25
